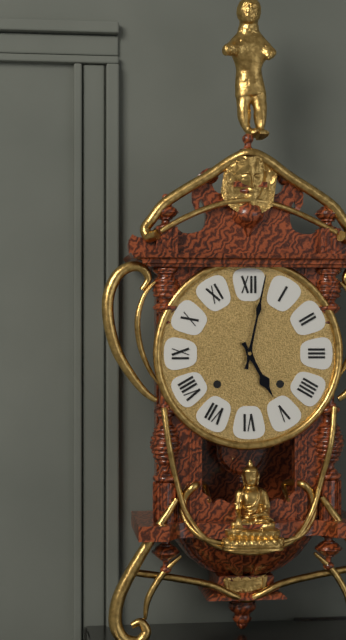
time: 5:02
